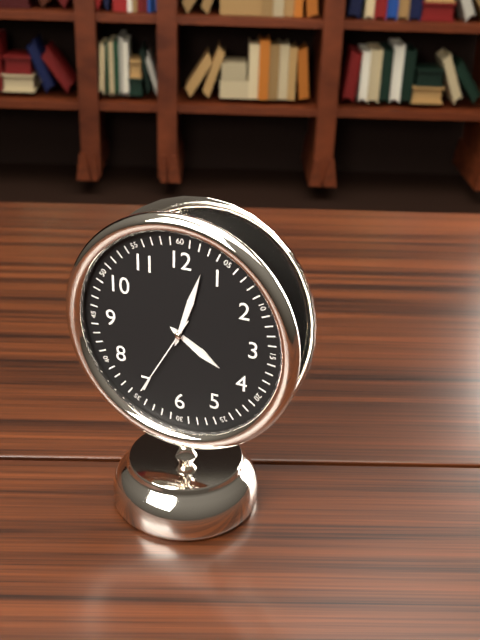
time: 4:03:35
